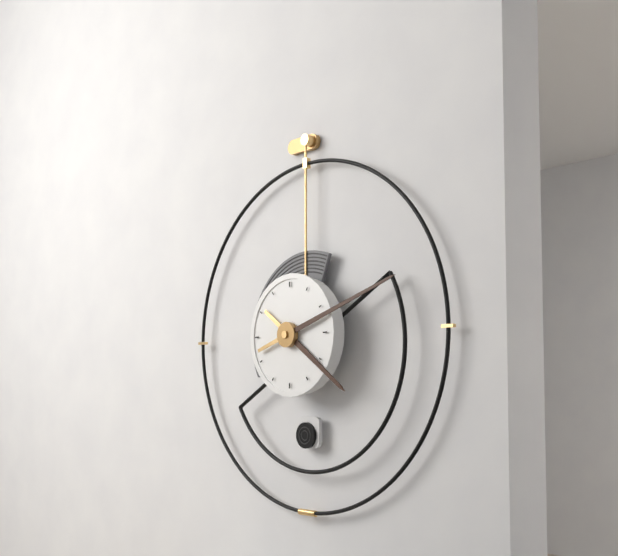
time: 4:12
